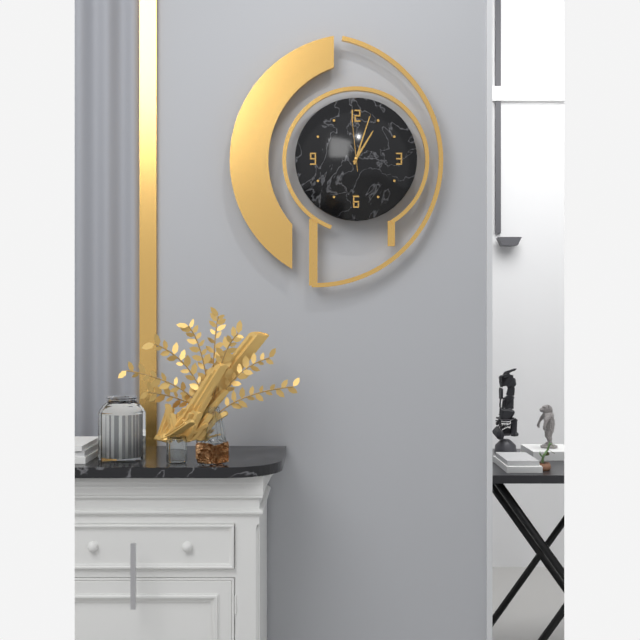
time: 1:03:59
